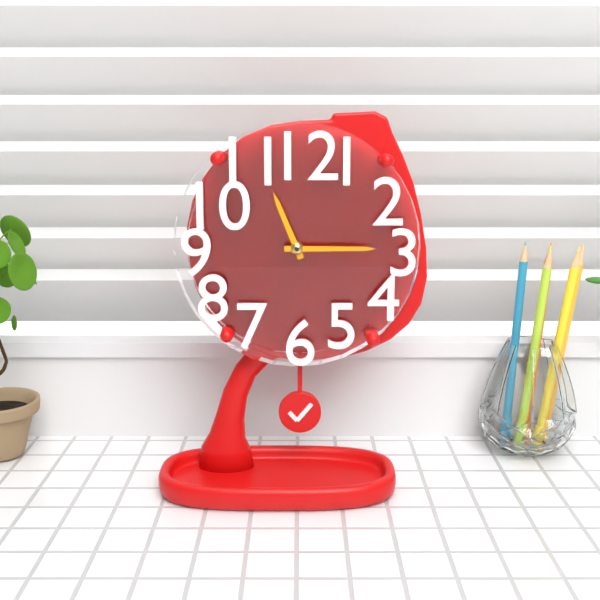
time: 11:15
